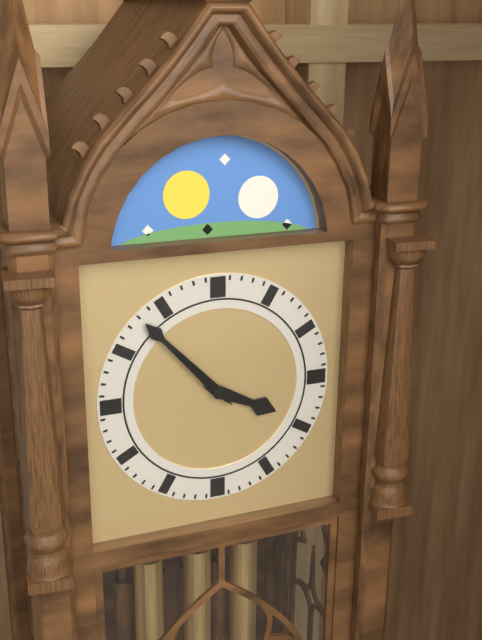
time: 3:53
